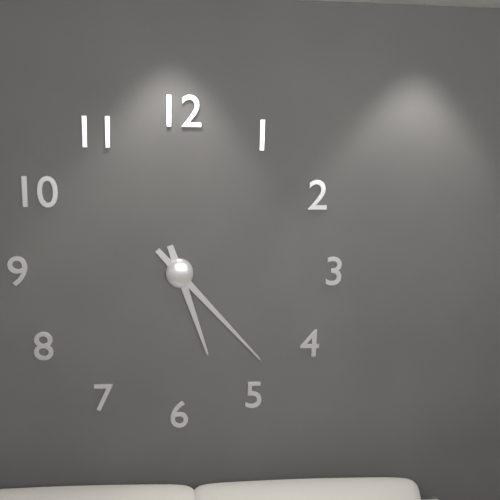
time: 5:23
